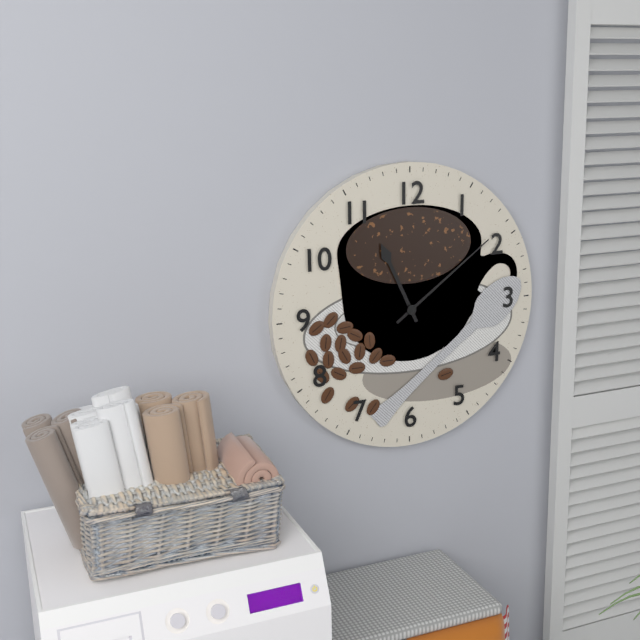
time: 11:09
